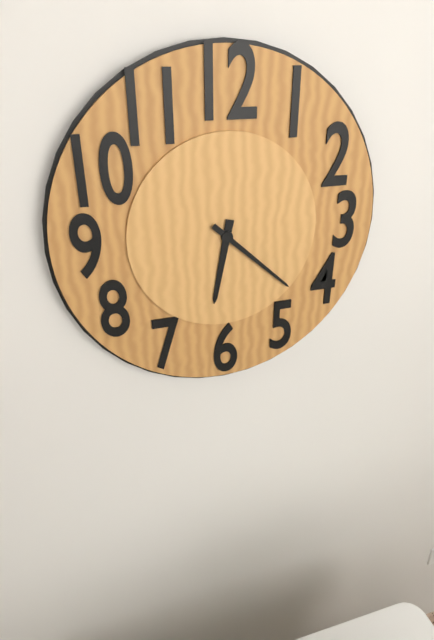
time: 6:22
